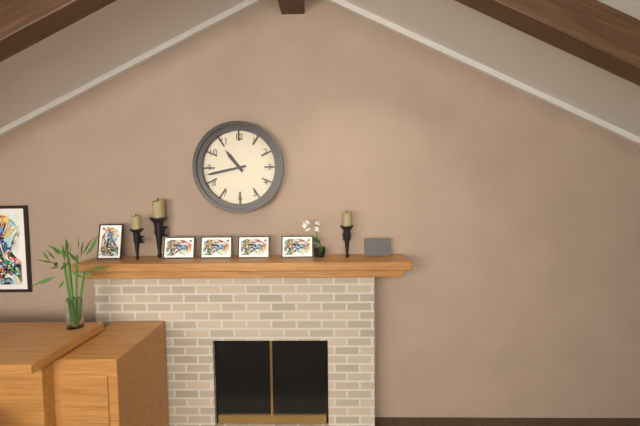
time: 10:43
